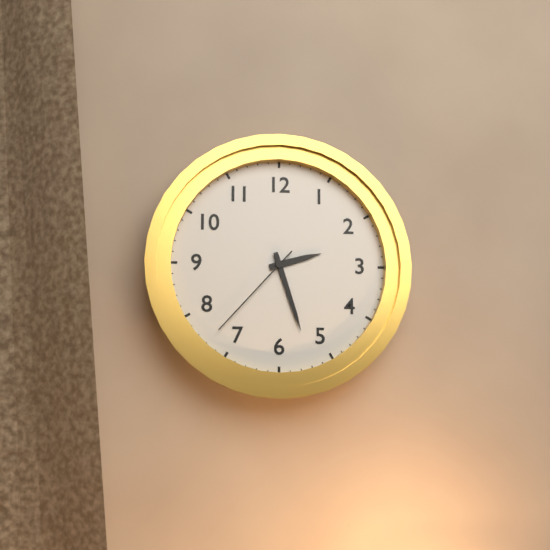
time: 2:27:37
